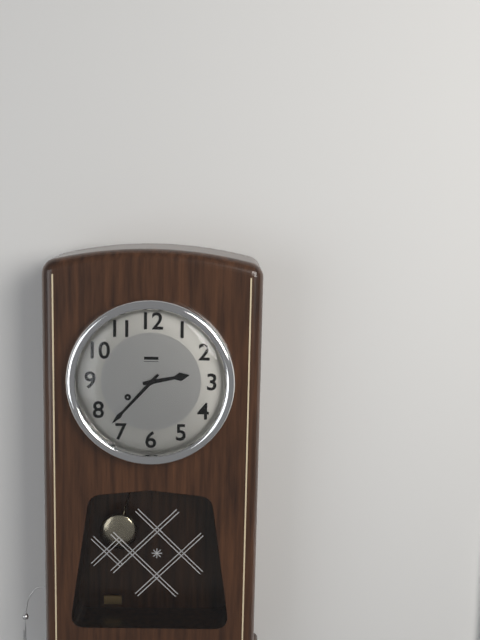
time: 2:37
